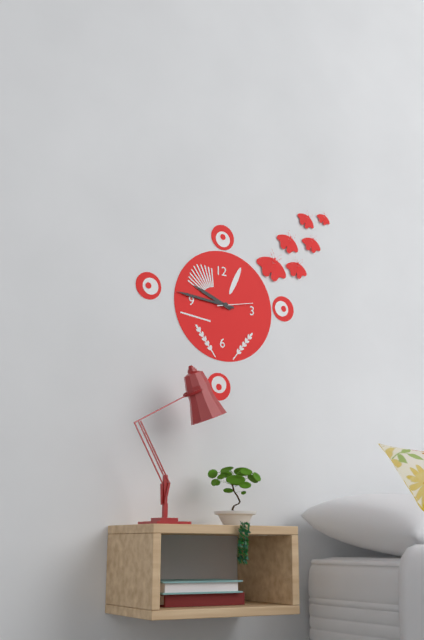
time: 9:46
